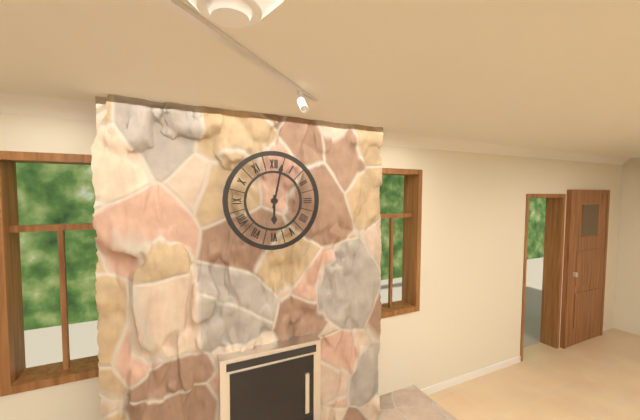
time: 6:02
